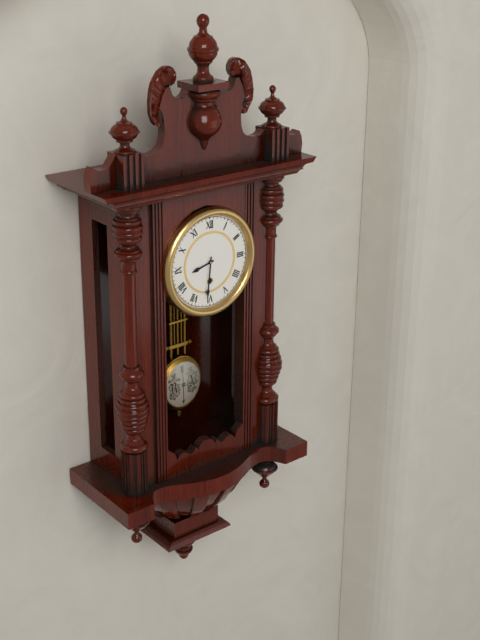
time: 8:31
